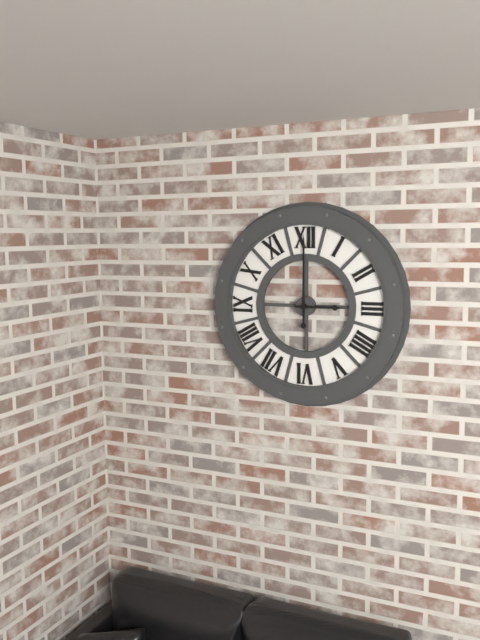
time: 3:00
